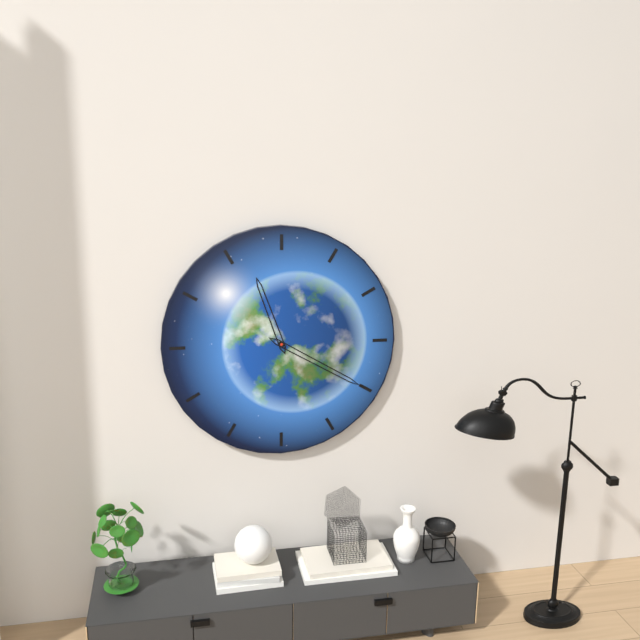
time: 11:20
